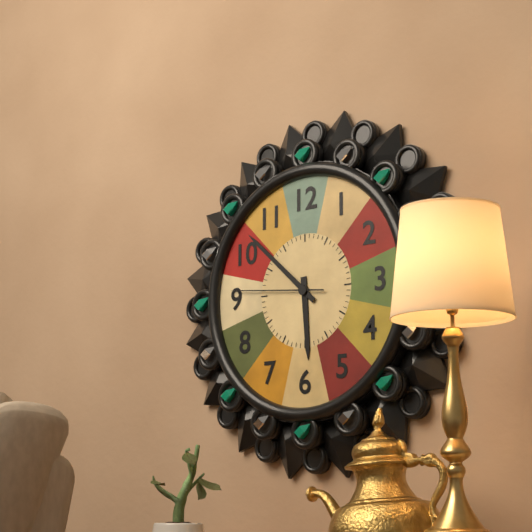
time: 5:52:46
